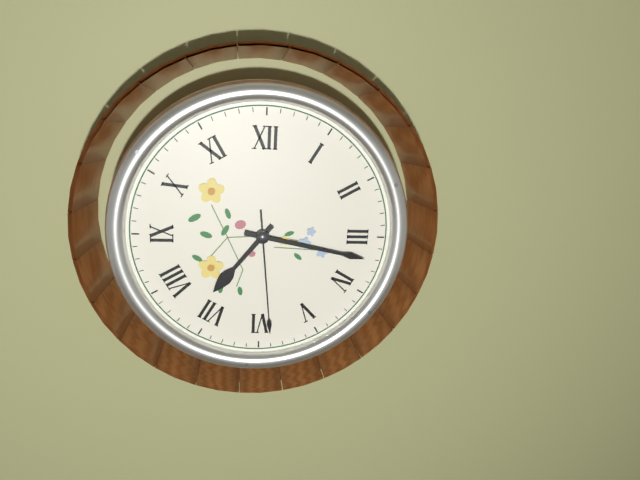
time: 7:17:29
